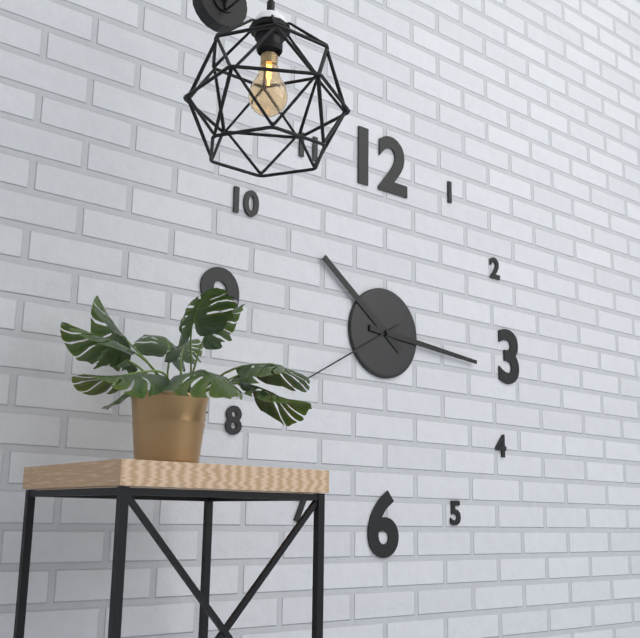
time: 10:16:40
